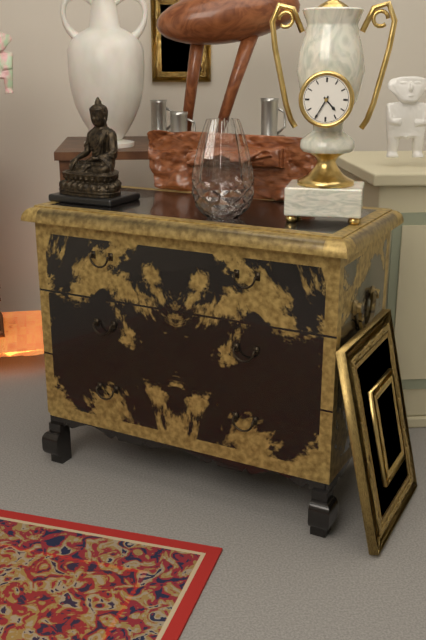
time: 4:35
